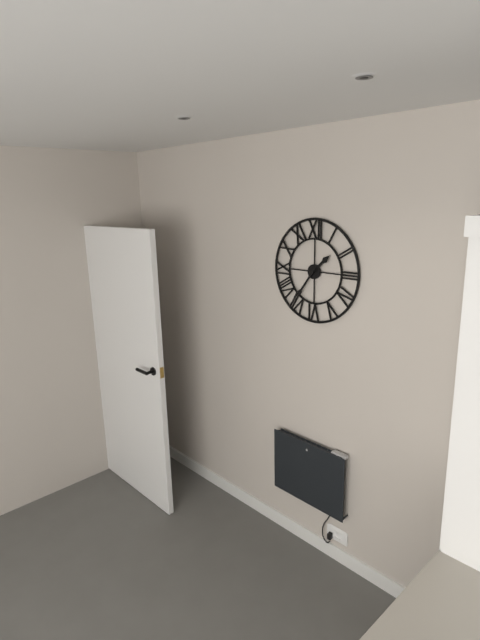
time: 1:36
